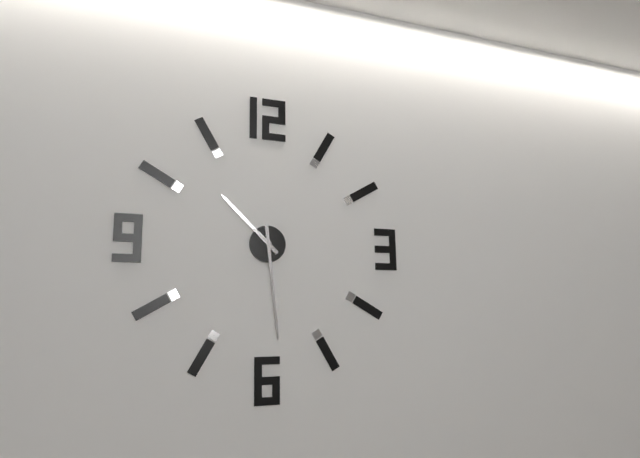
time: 10:29
